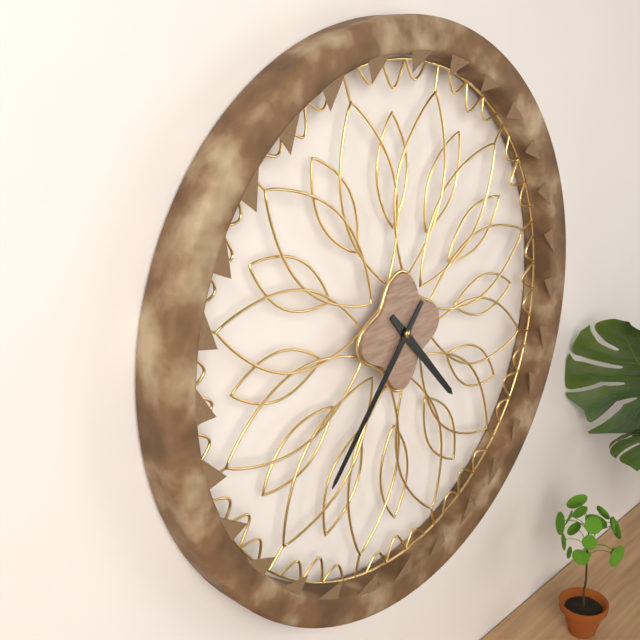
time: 4:37
